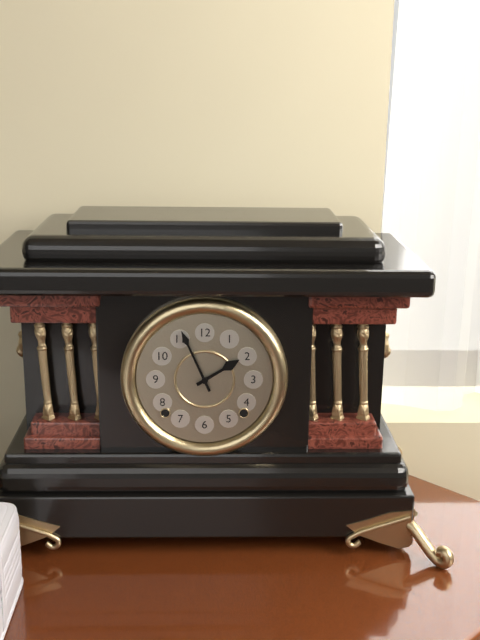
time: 1:56
